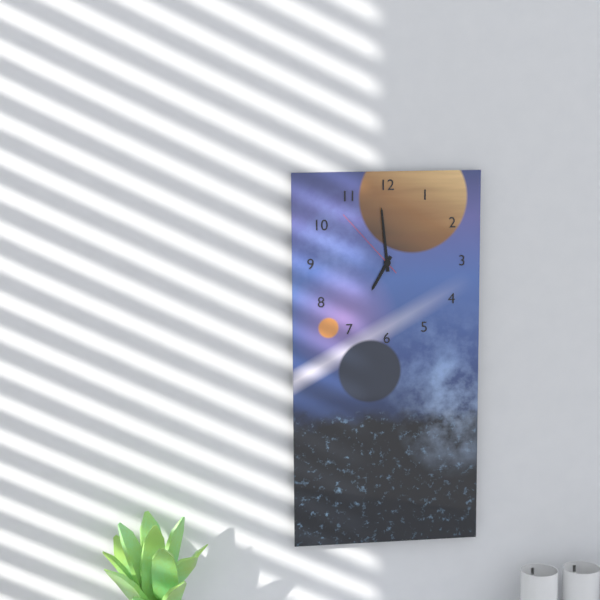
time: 6:59:53
